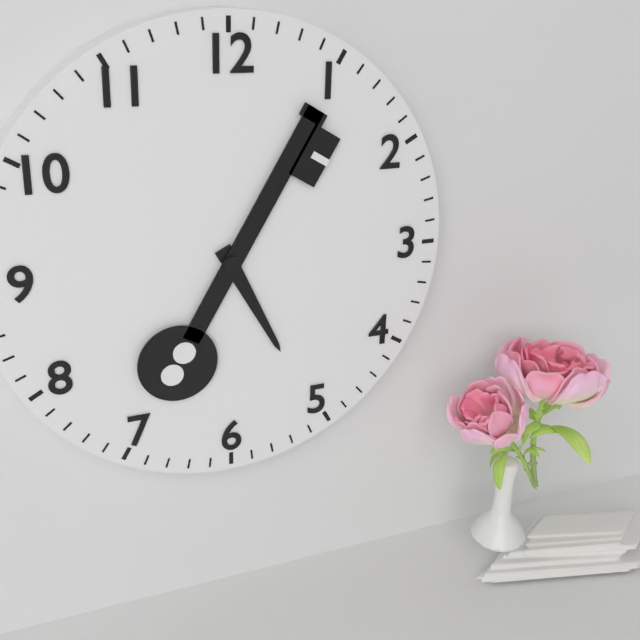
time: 5:05
